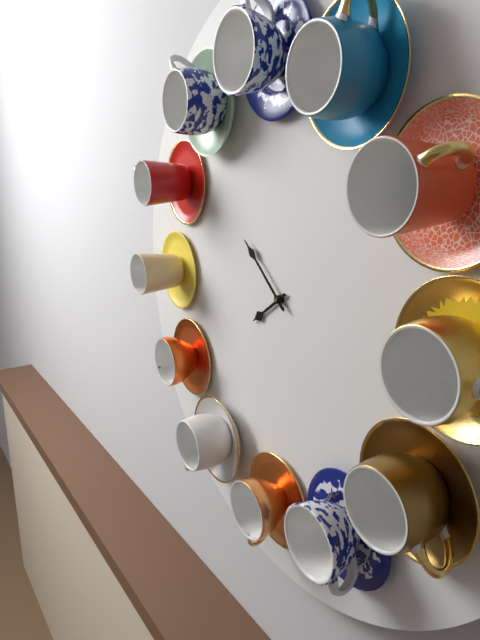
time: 7:52
